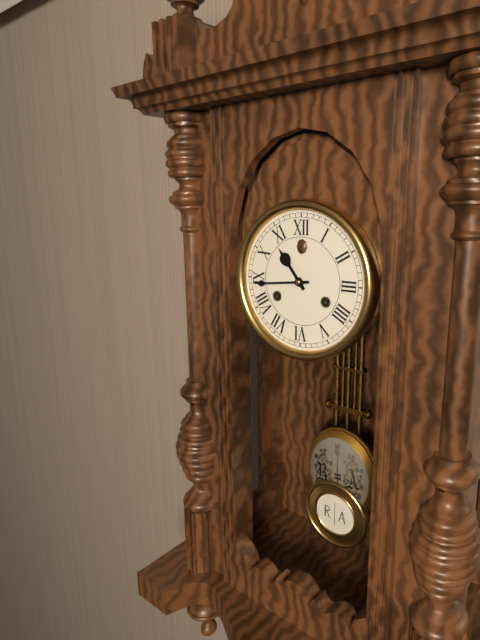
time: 10:44
